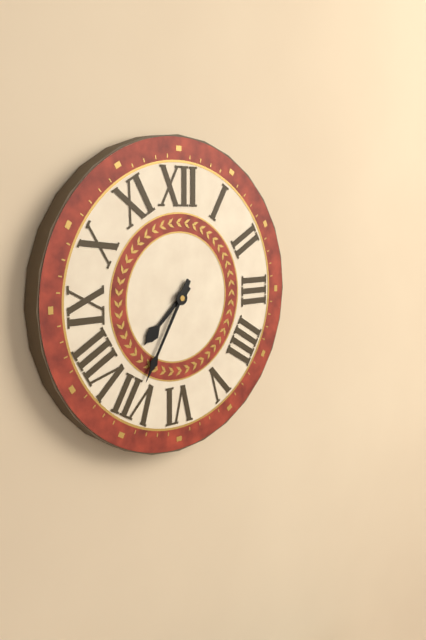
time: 7:35
